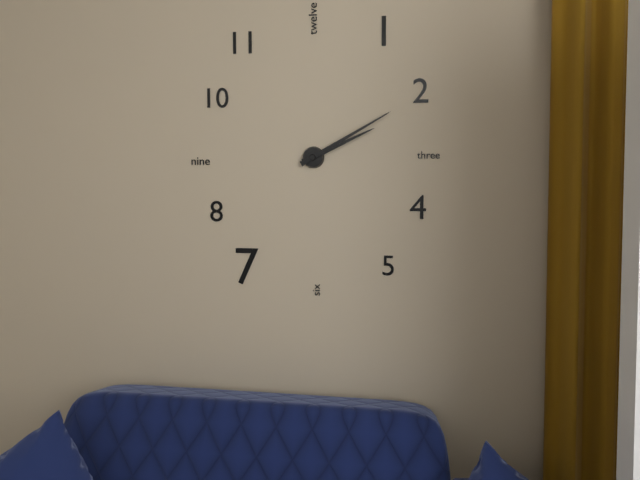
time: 2:10
